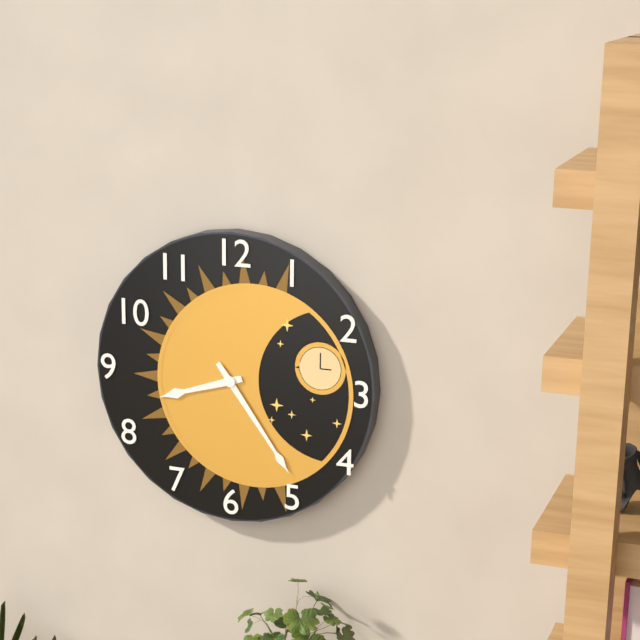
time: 8:24
